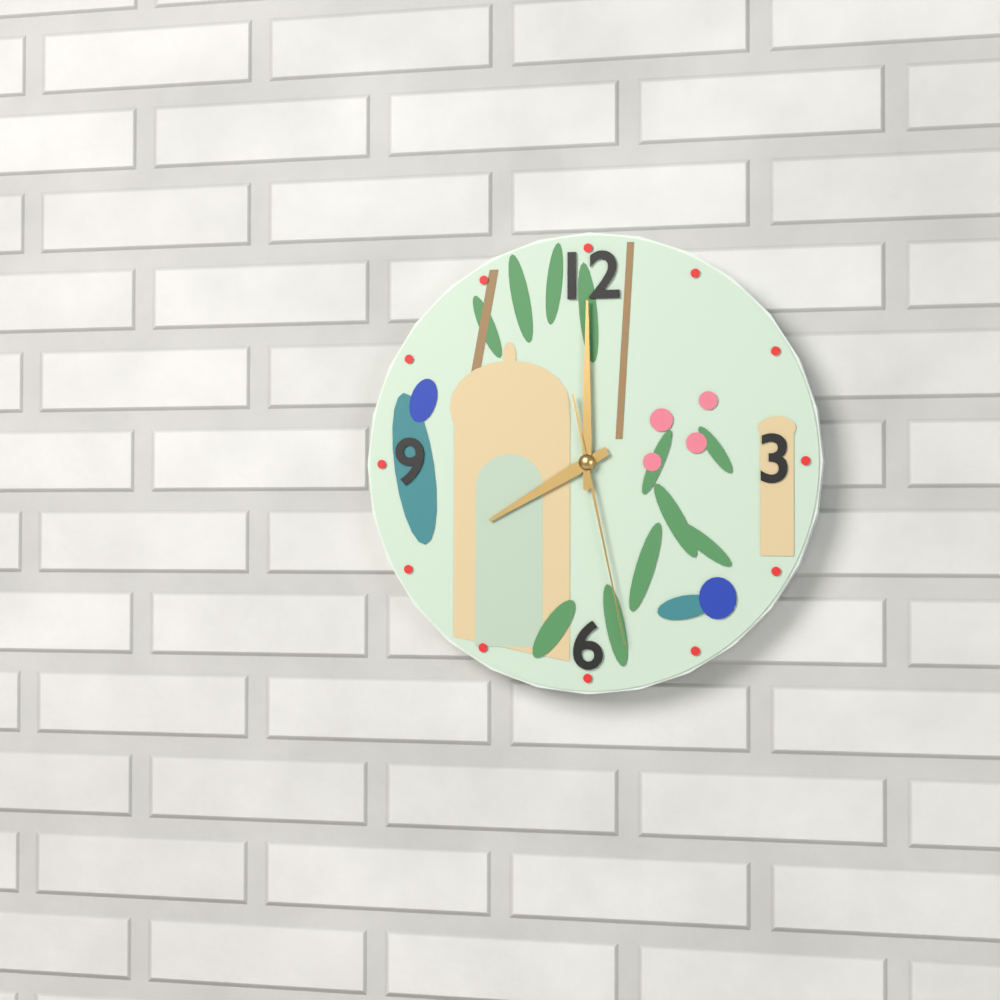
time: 8:00:28
